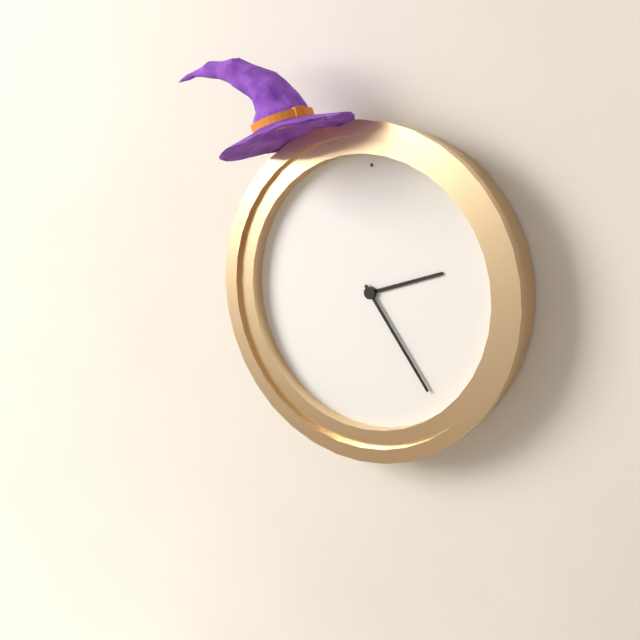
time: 2:24
